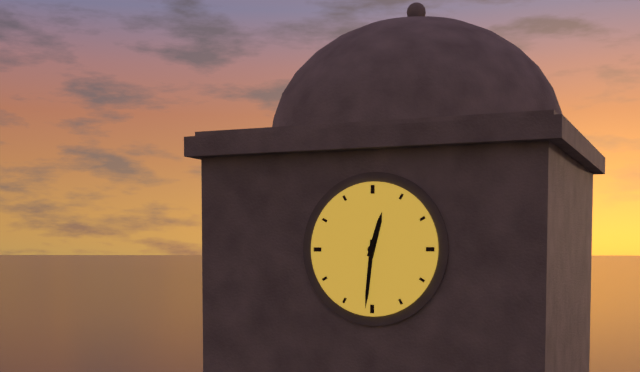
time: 12:31
